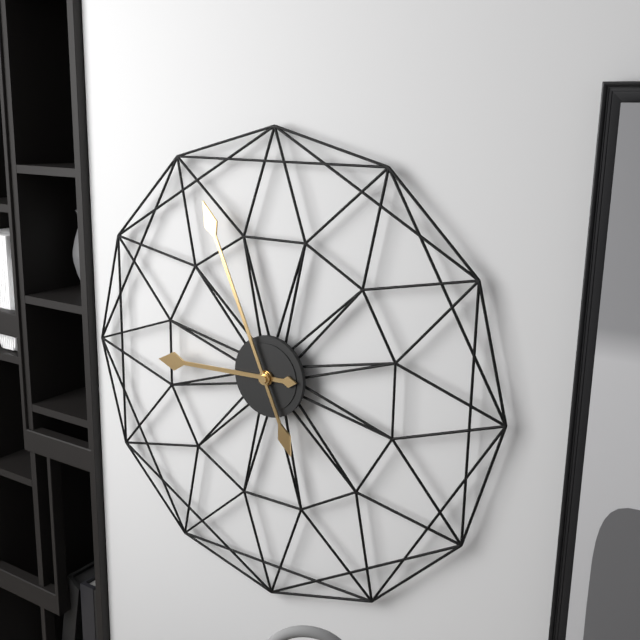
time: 8:56
